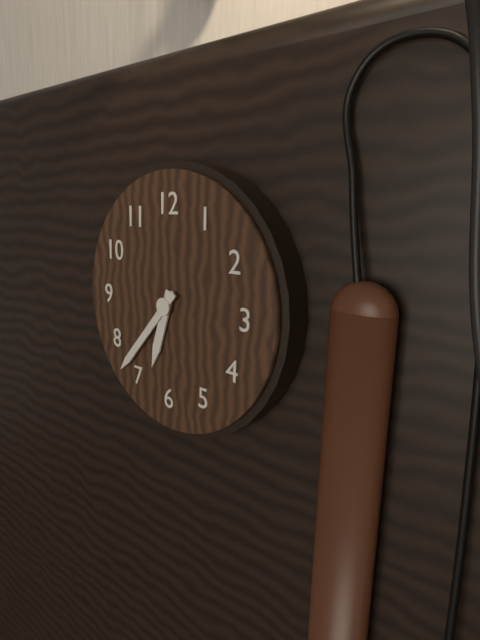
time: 6:37
